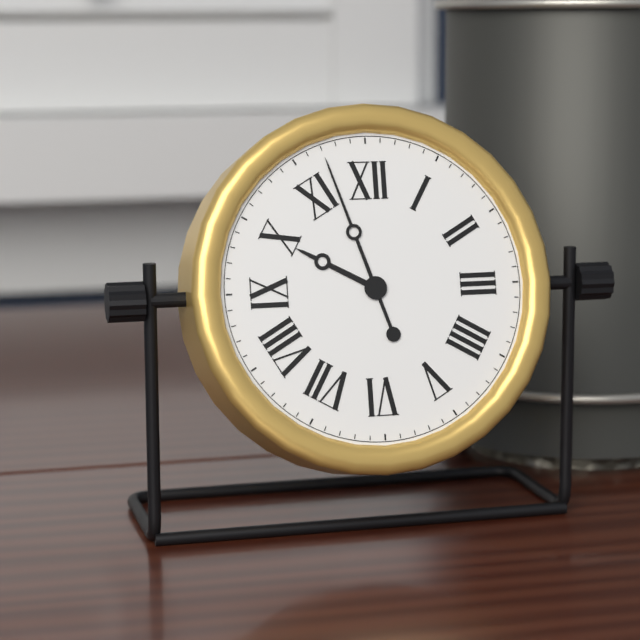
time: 9:57
